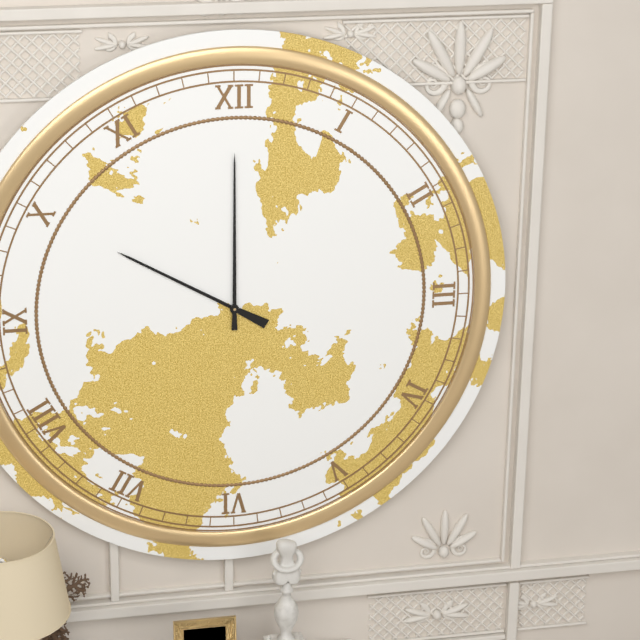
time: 10:00
